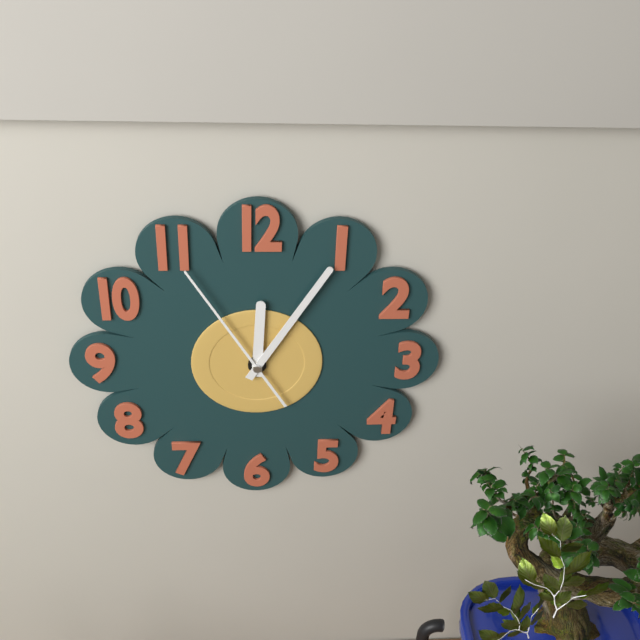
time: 12:05:55
